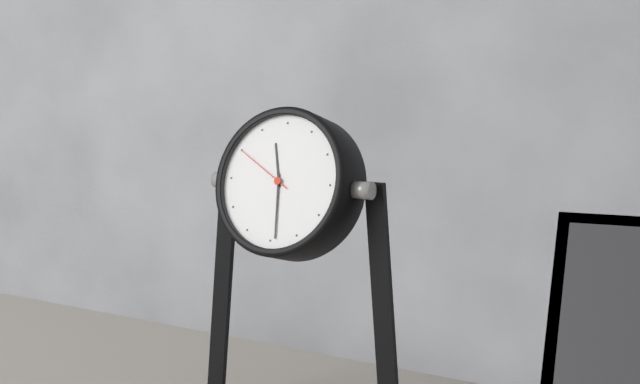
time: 11:29:50
